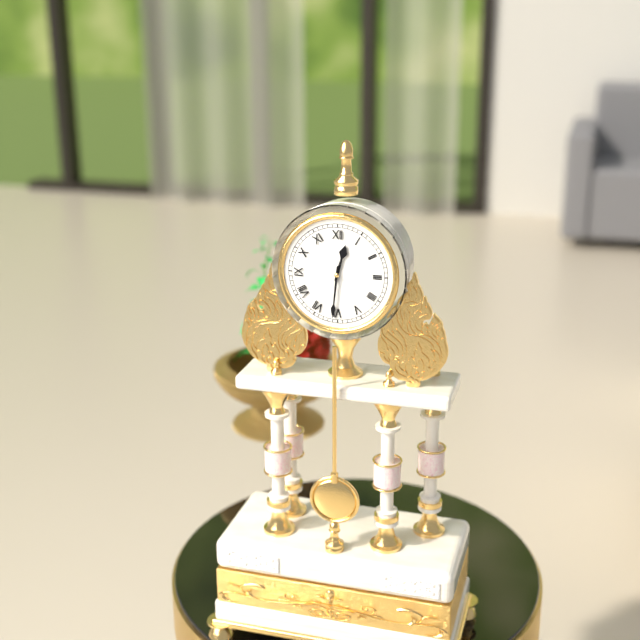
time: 12:31
